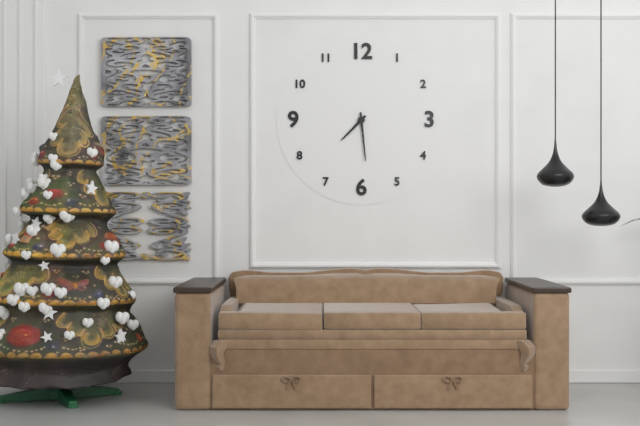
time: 7:29
